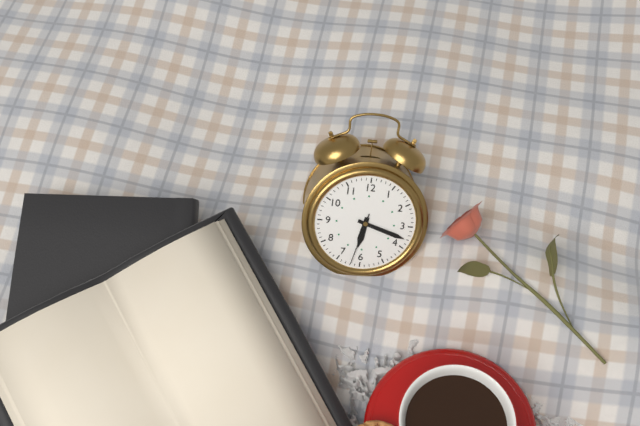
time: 6:18:32
